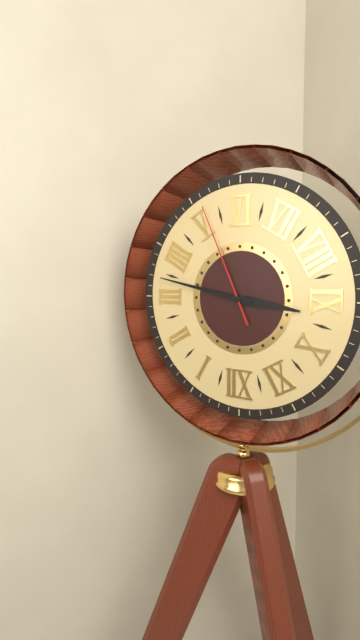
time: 9:17:26
